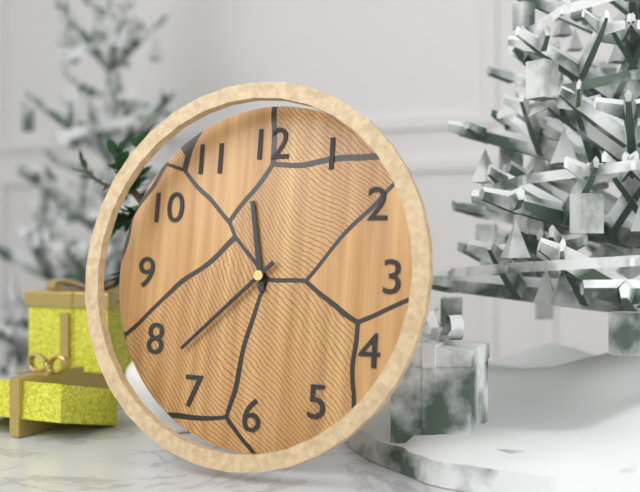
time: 11:38
